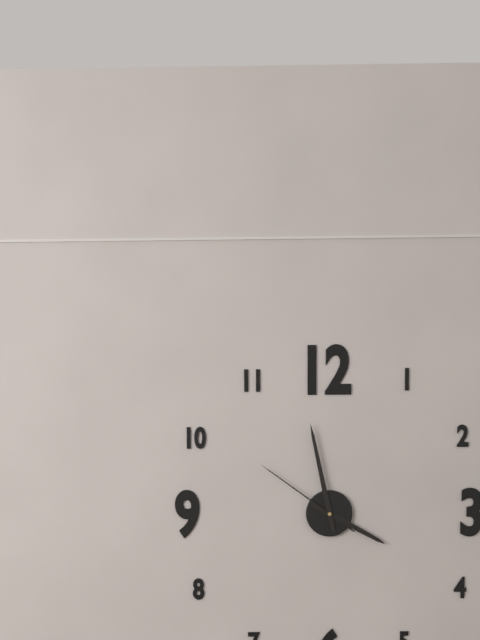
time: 3:58:51
